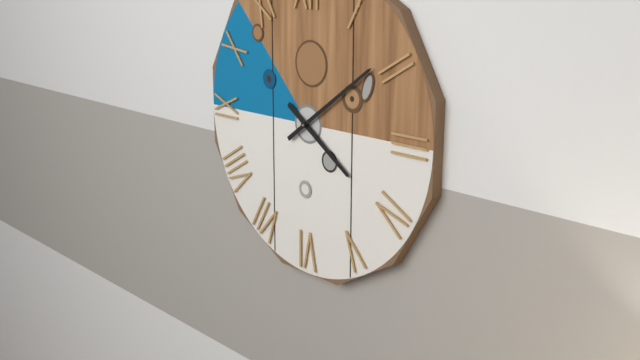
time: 4:09
